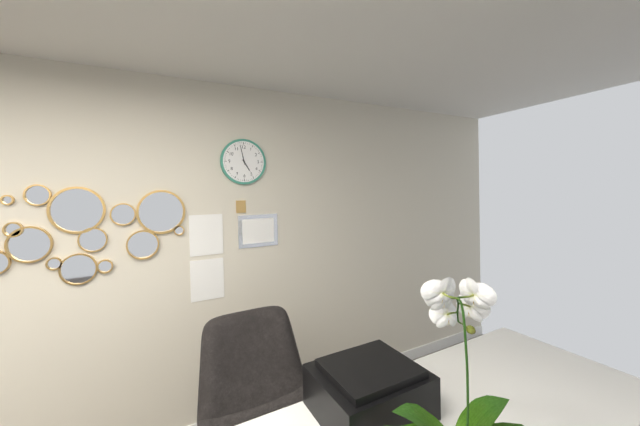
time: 4:58
